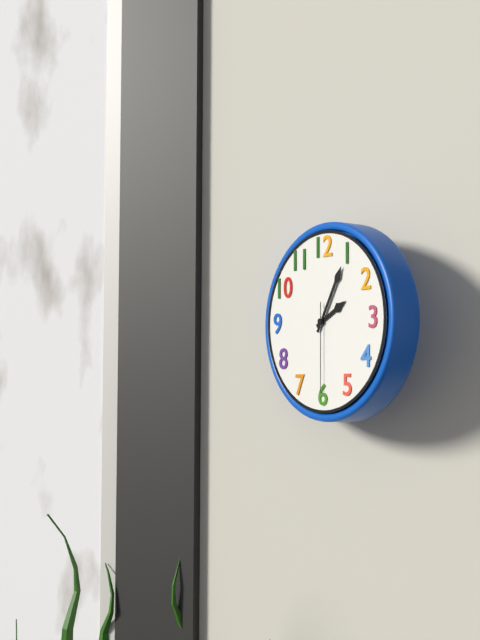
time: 2:05:30
